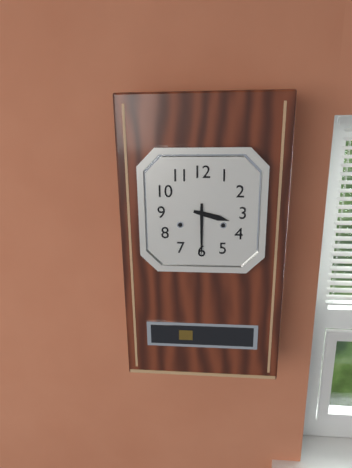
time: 3:30
